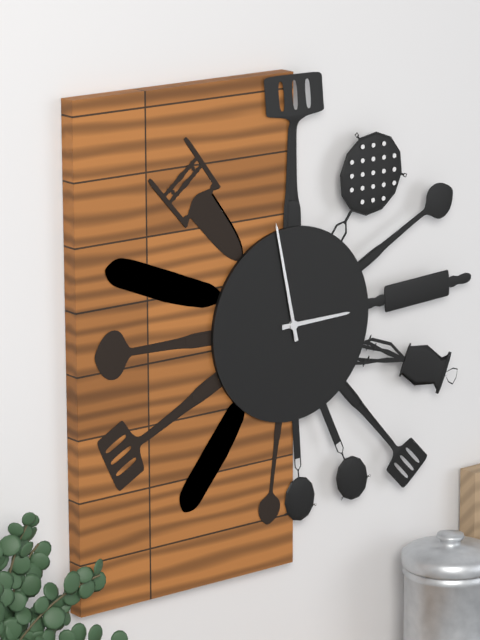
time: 2:58
